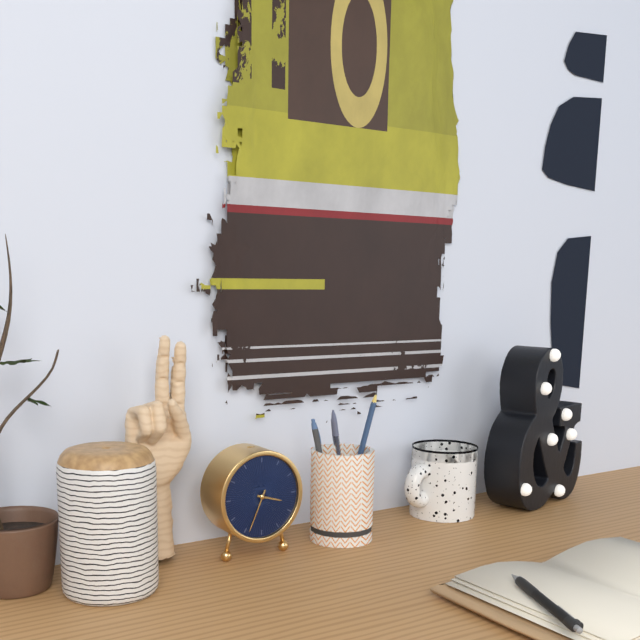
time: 3:34
